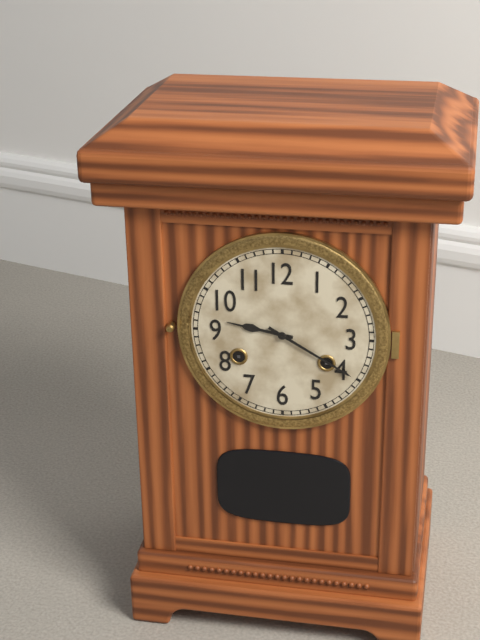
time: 9:20
